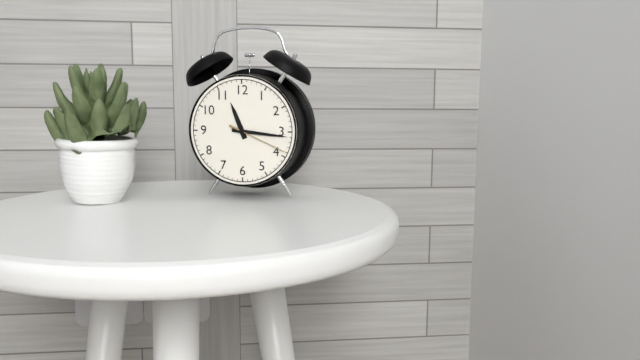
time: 11:16:19
